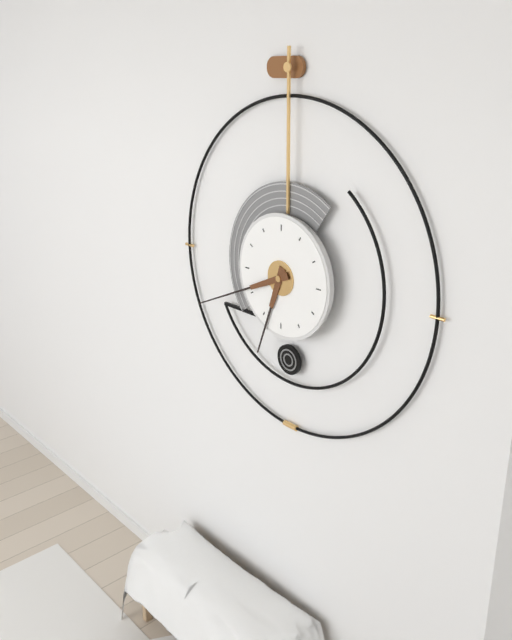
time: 6:41
